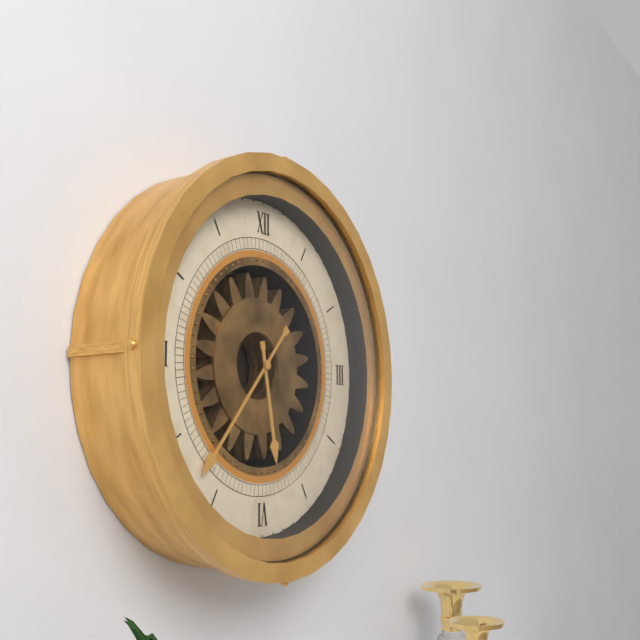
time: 5:37
